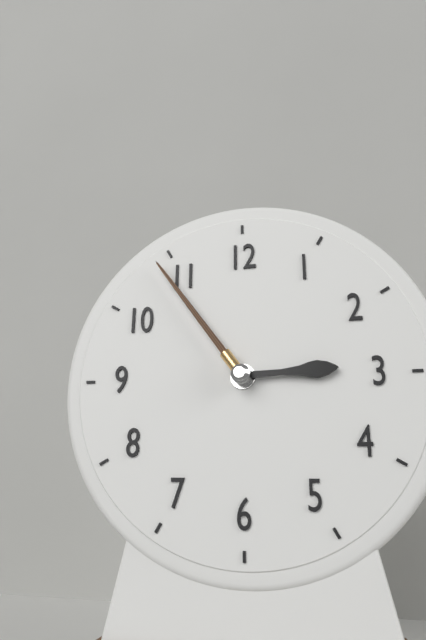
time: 2:54
